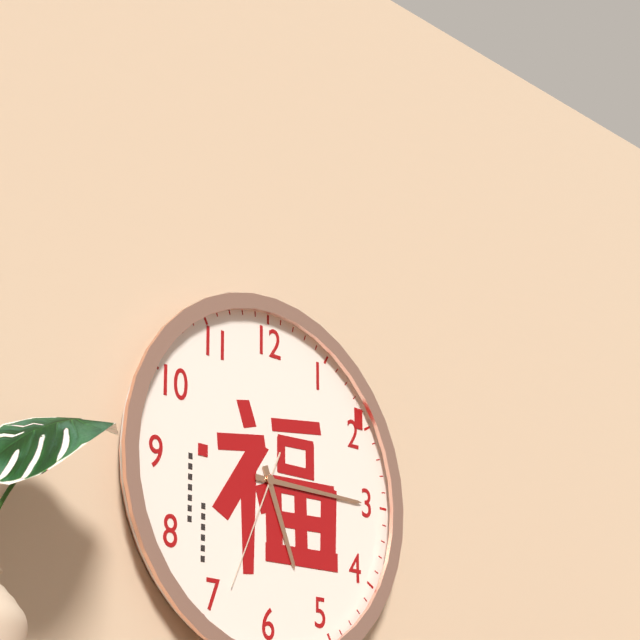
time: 5:15:34
